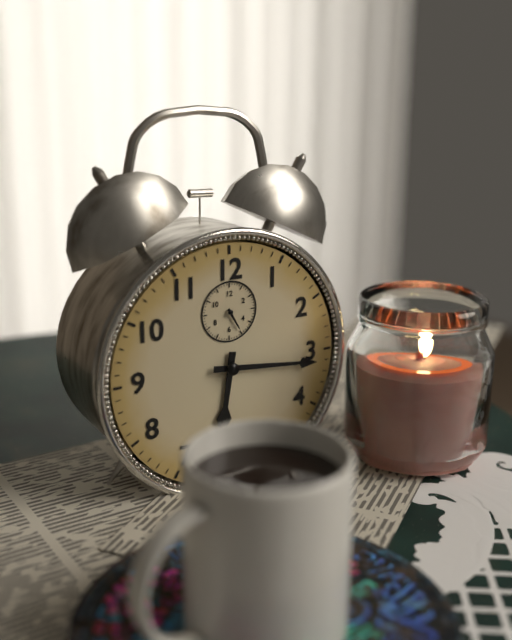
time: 6:16
